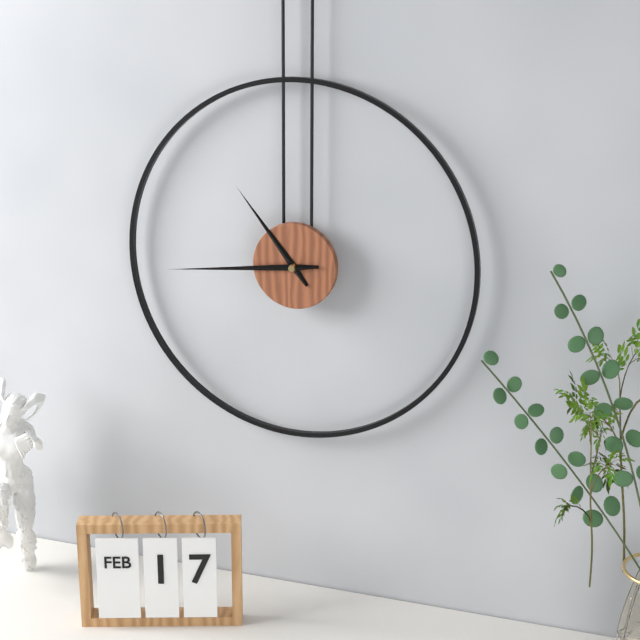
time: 10:44
